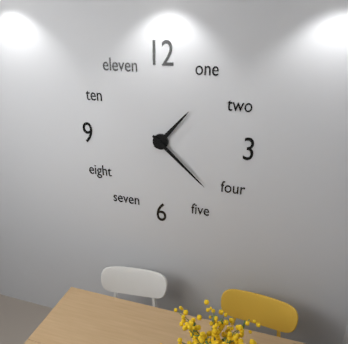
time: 1:22
